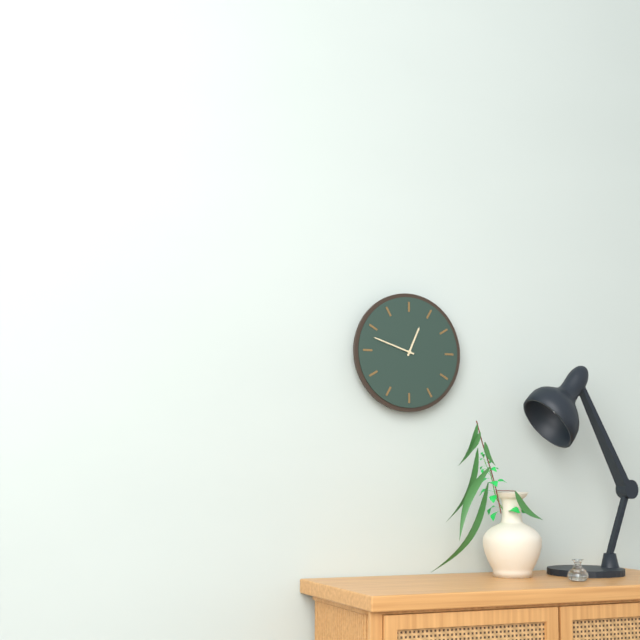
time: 12:48
